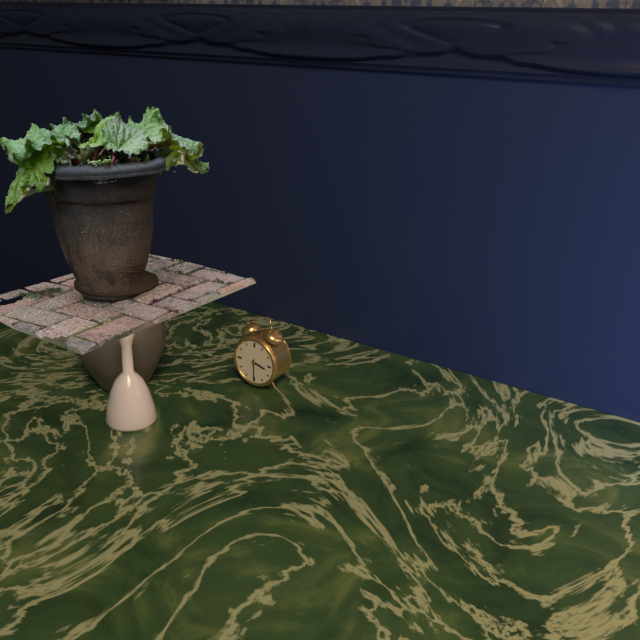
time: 3:30
